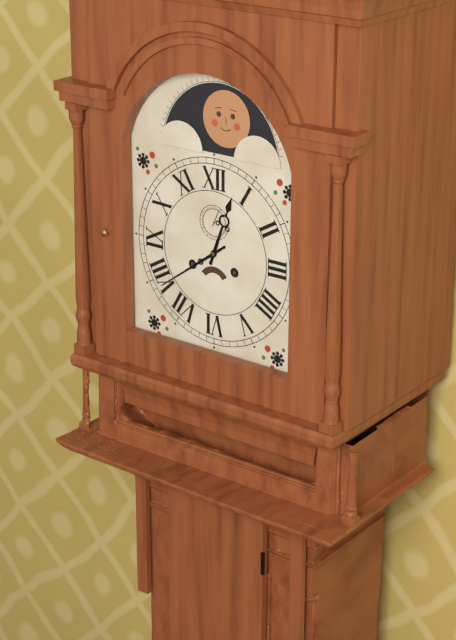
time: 12:39
